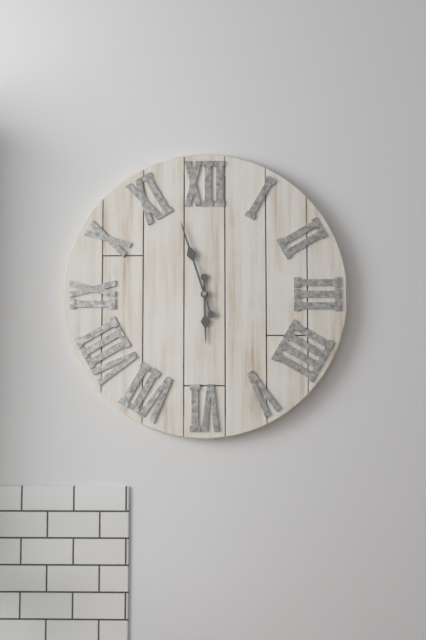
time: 5:57
